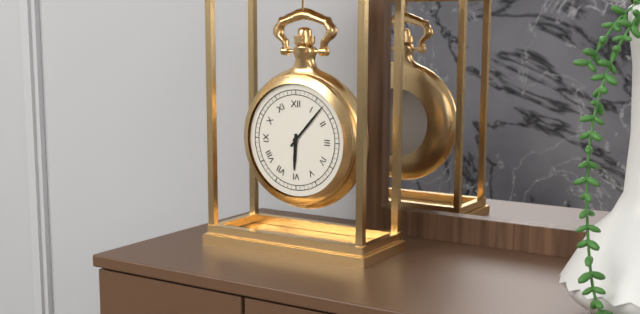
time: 6:07
